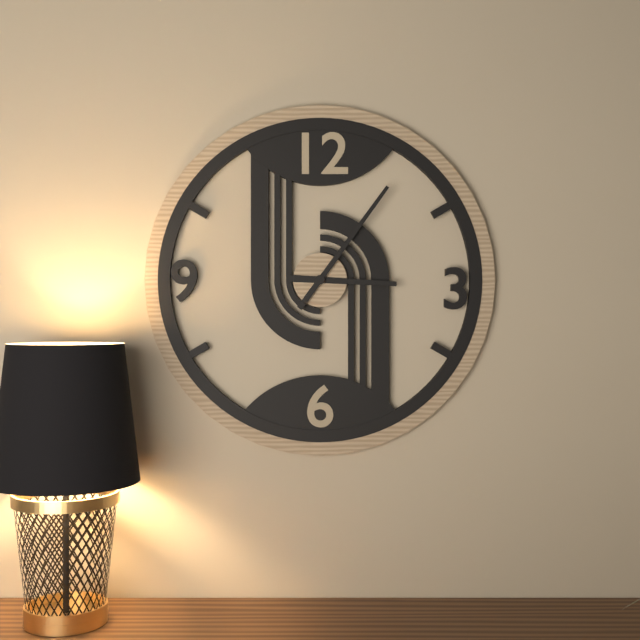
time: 3:06
